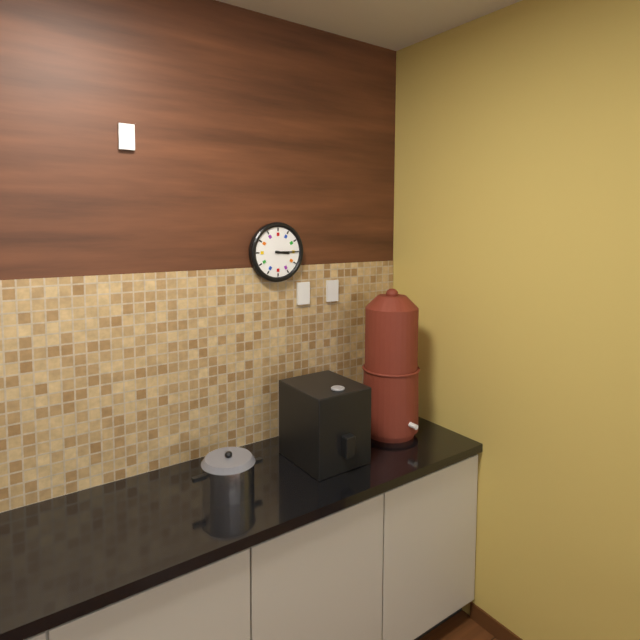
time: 3:15
